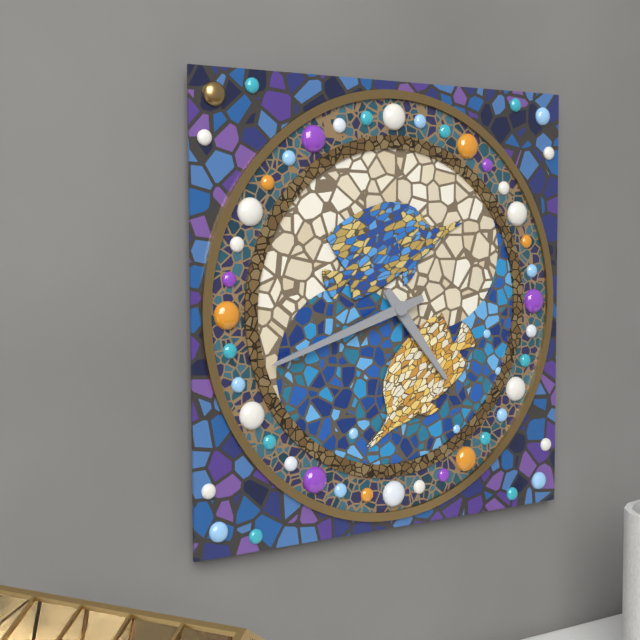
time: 4:42
